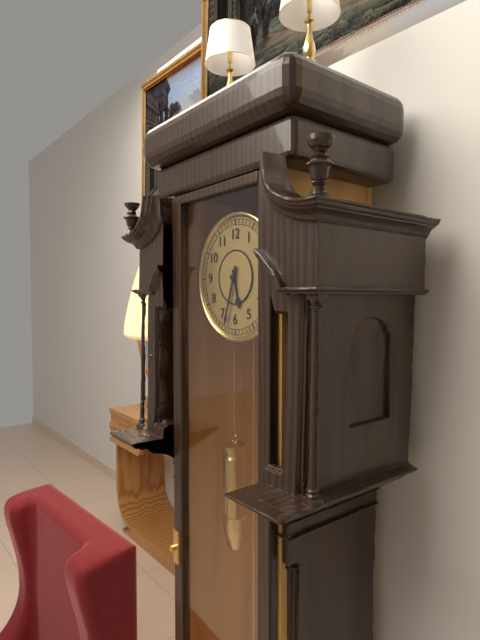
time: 5:33
